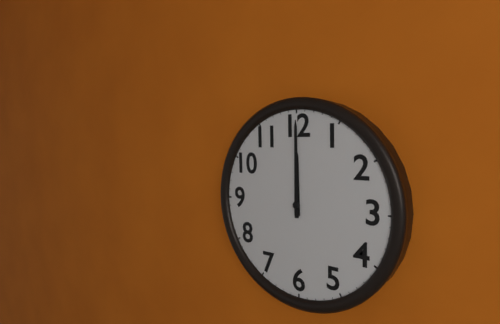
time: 12:00
